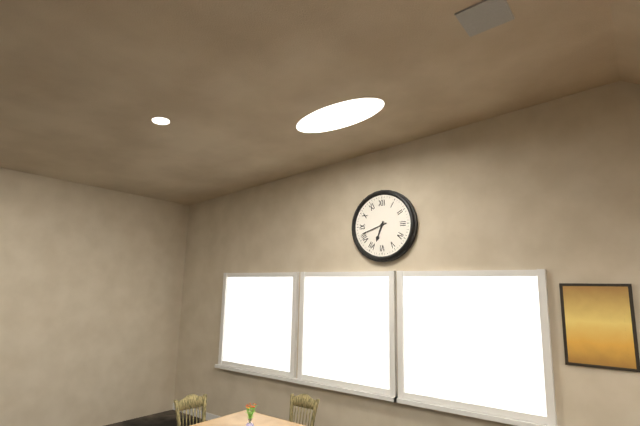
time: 6:42
